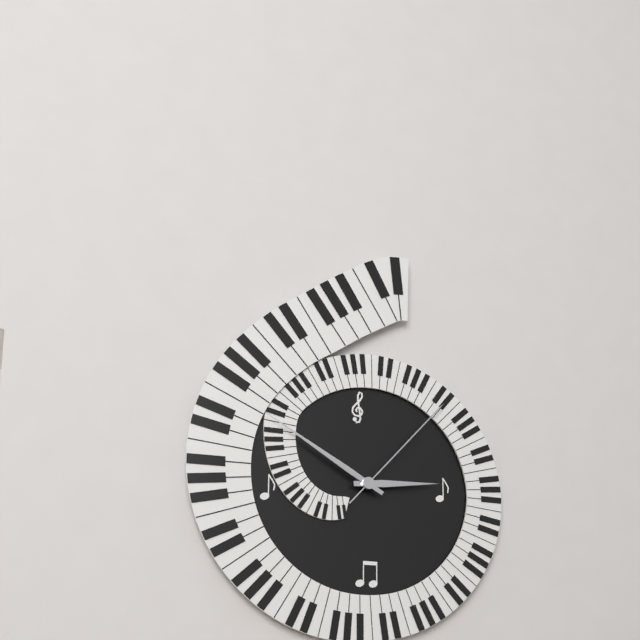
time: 2:50:07
